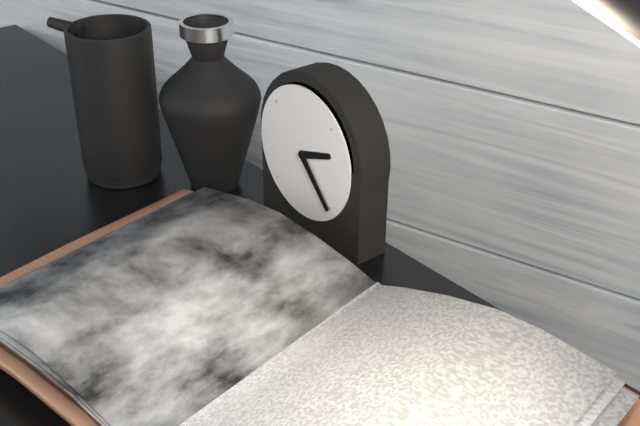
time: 2:23
